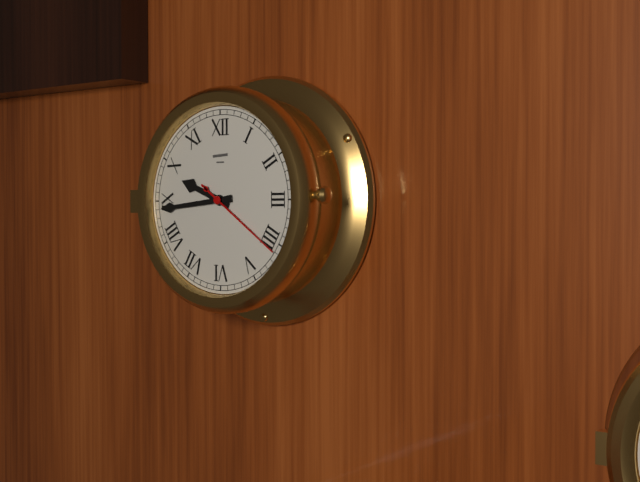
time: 9:44:21
